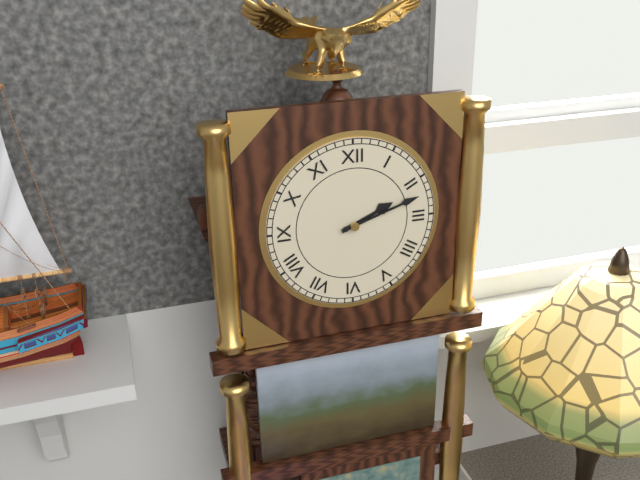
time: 2:12
